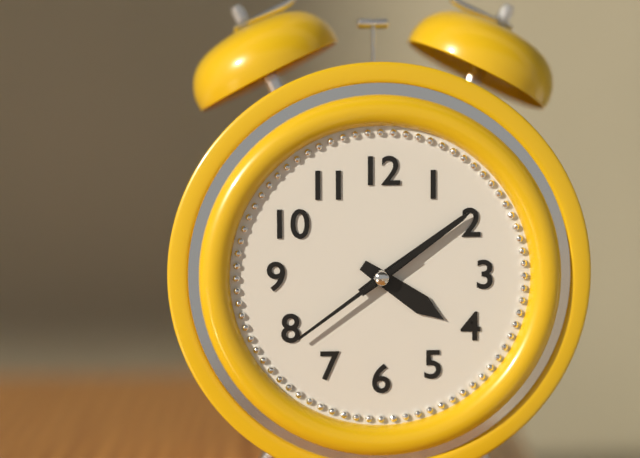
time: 4:09:39
